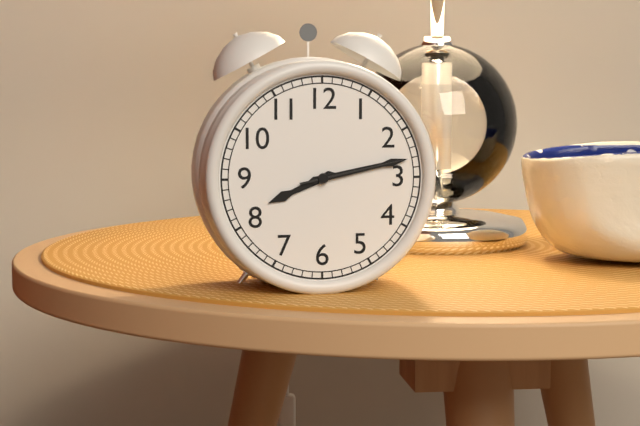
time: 8:13:13
